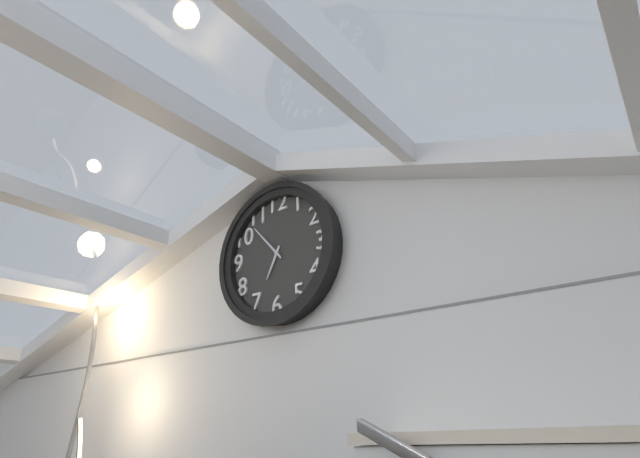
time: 6:53
